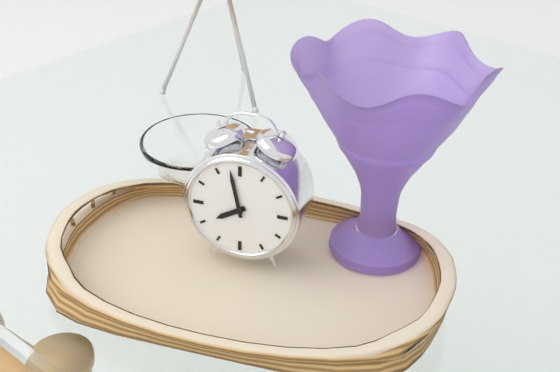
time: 7:58
